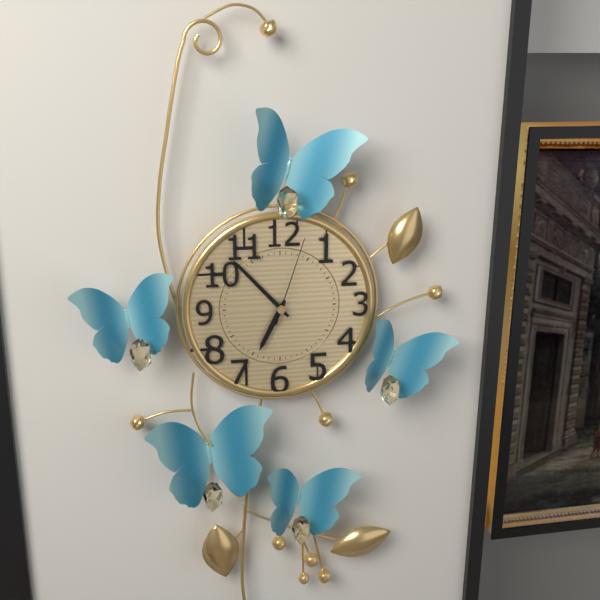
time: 6:53:03
